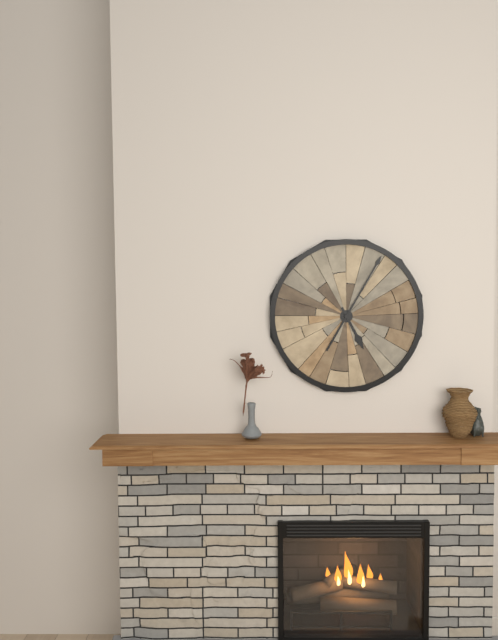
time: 5:05
